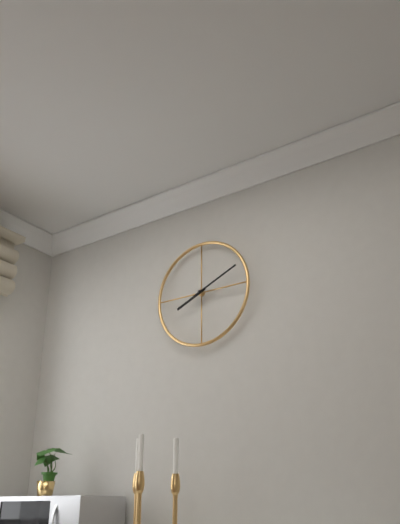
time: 8:11
